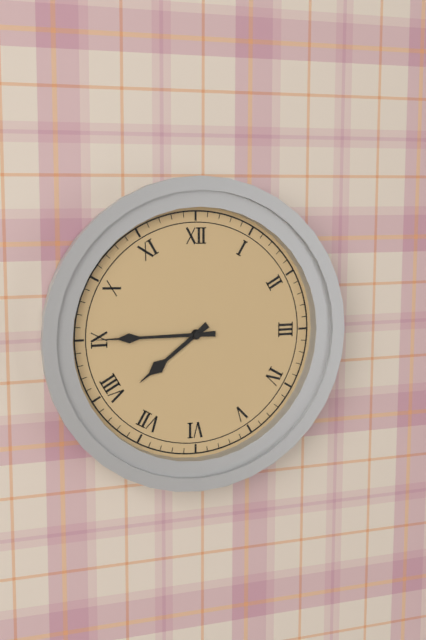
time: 7:45
